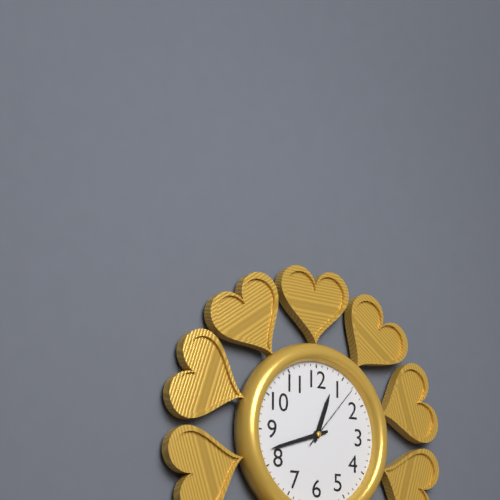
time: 12:42:07
